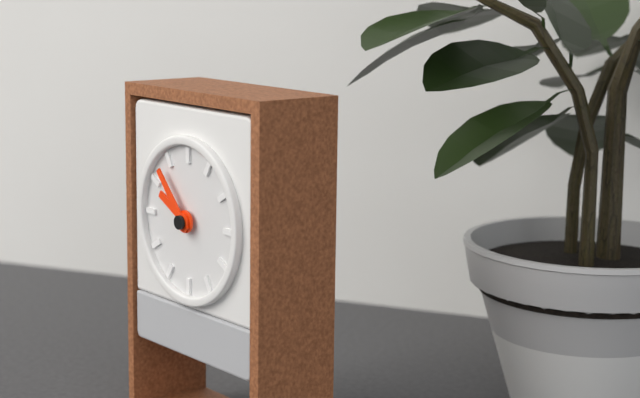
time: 9:53
